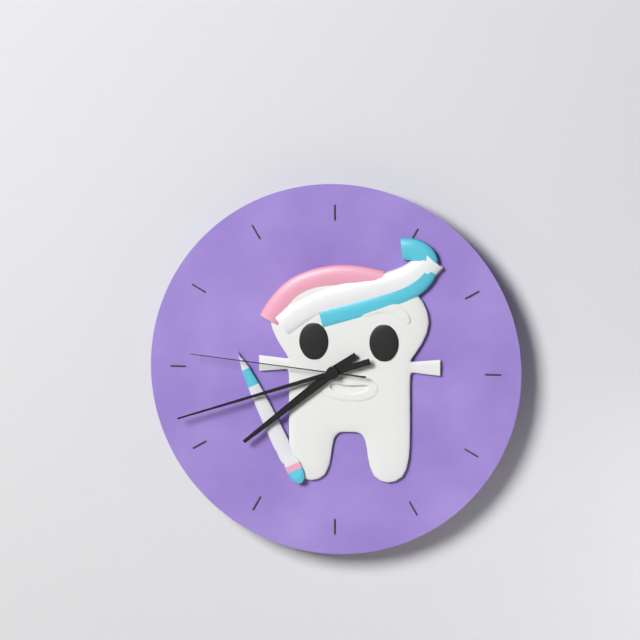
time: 7:42:46
